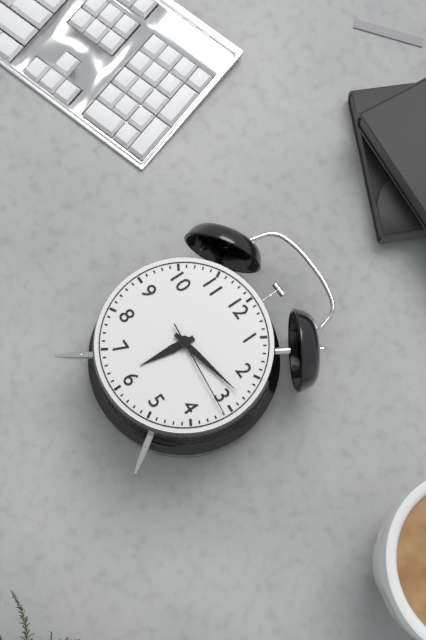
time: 6:13:16
